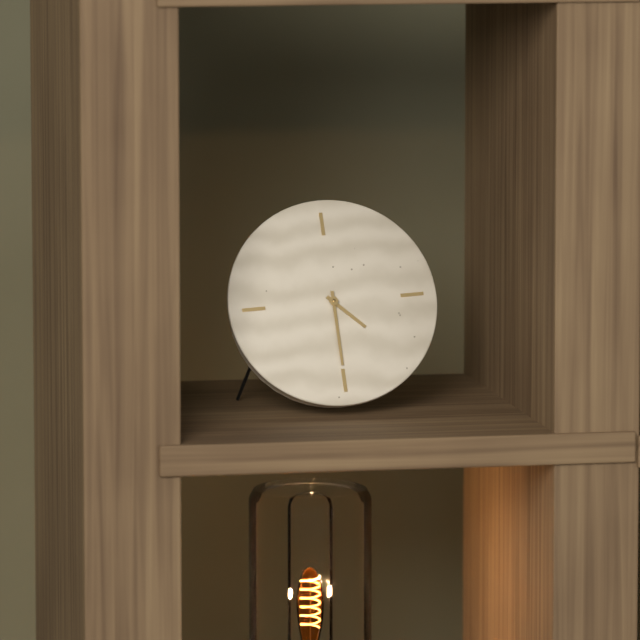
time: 4:30
